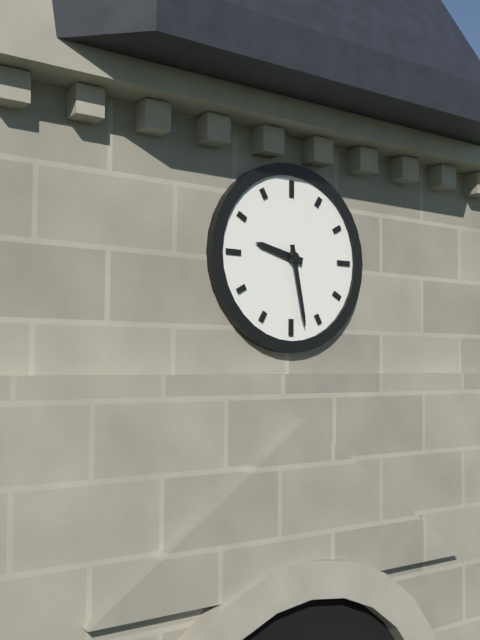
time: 9:28
